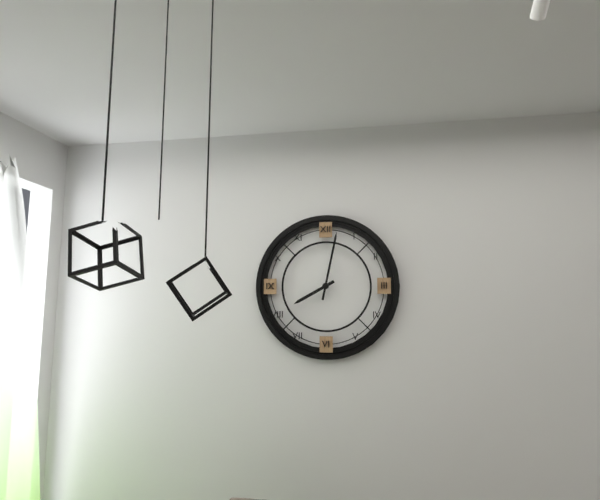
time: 8:02
